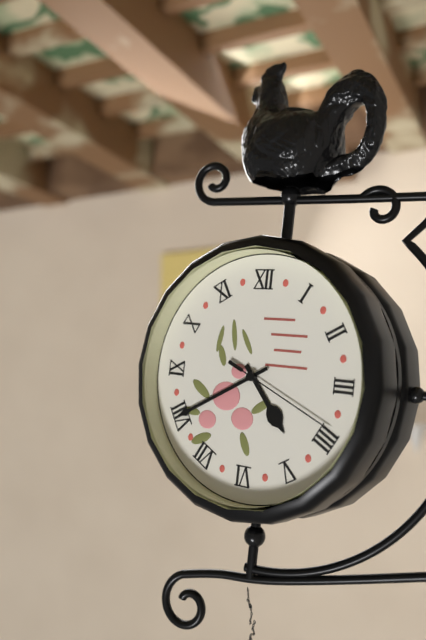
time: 4:40:19
